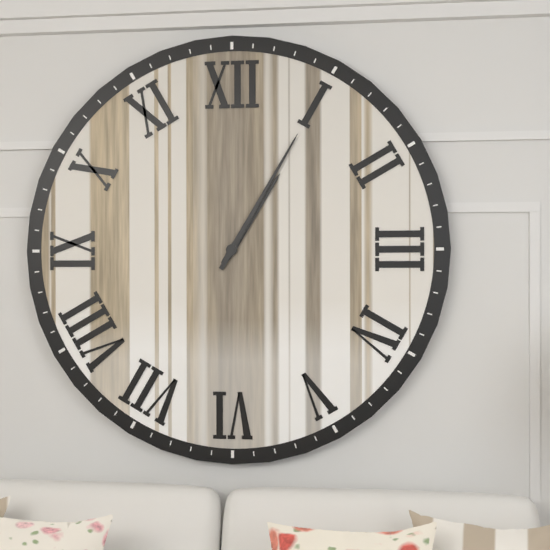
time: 1:05
